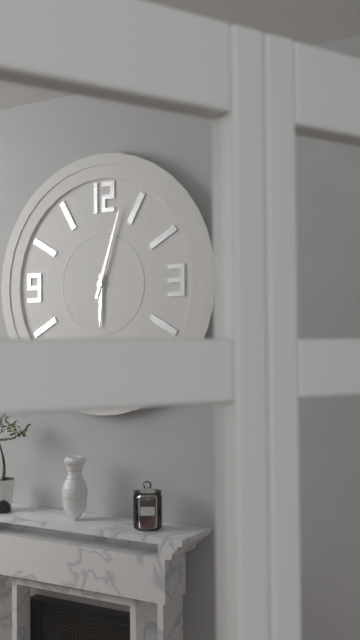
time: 6:03
